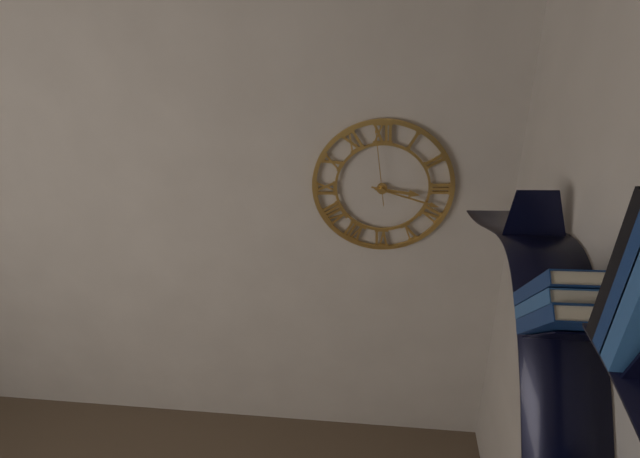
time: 3:18:59
